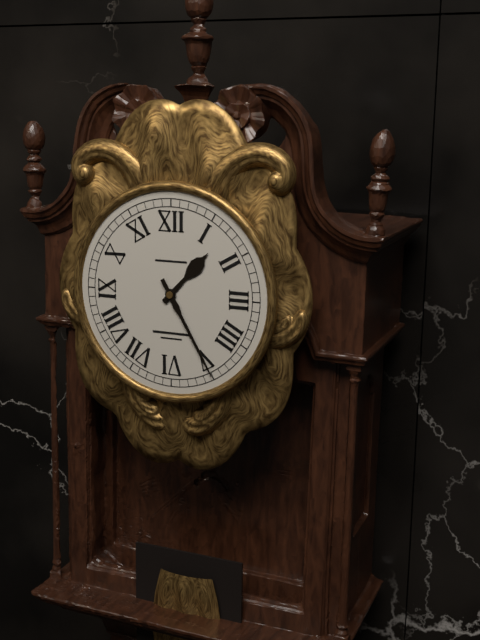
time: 1:25
